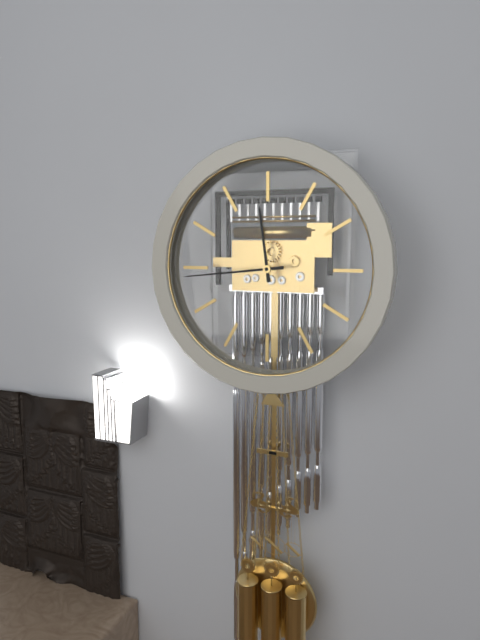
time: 11:44
